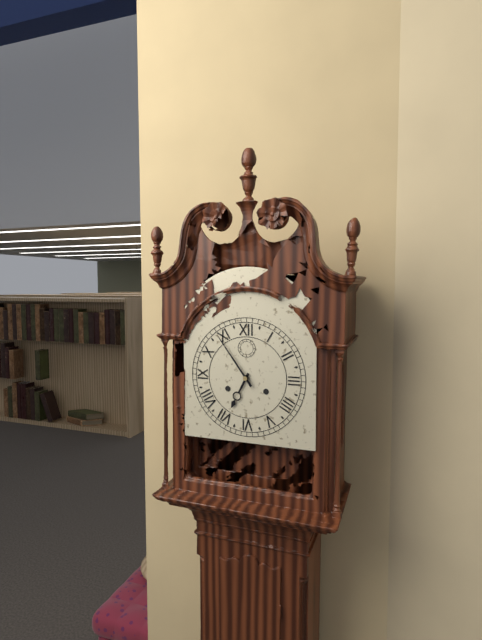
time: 6:54
